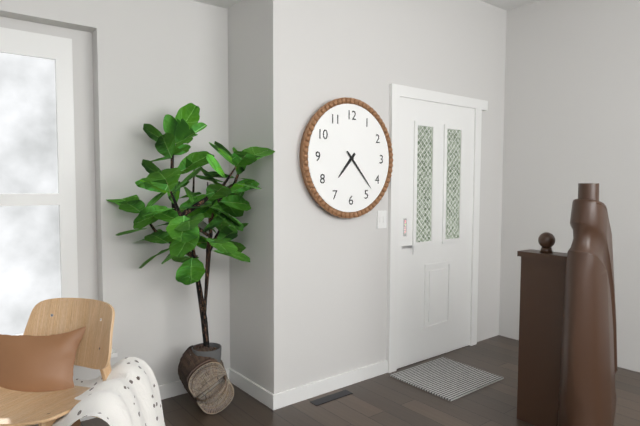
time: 7:23
